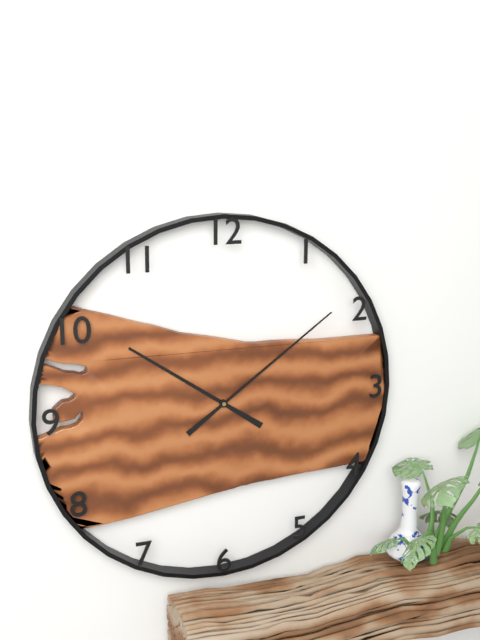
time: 10:09
